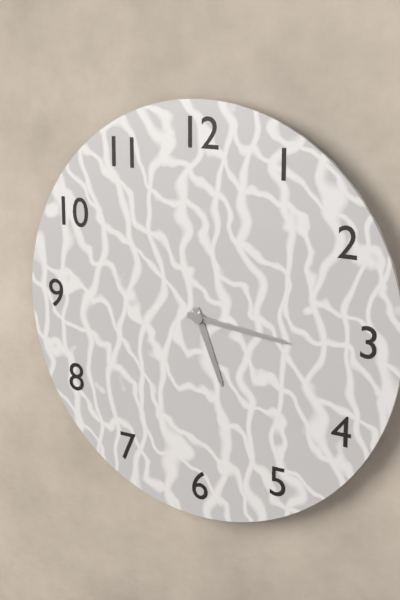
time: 5:16
